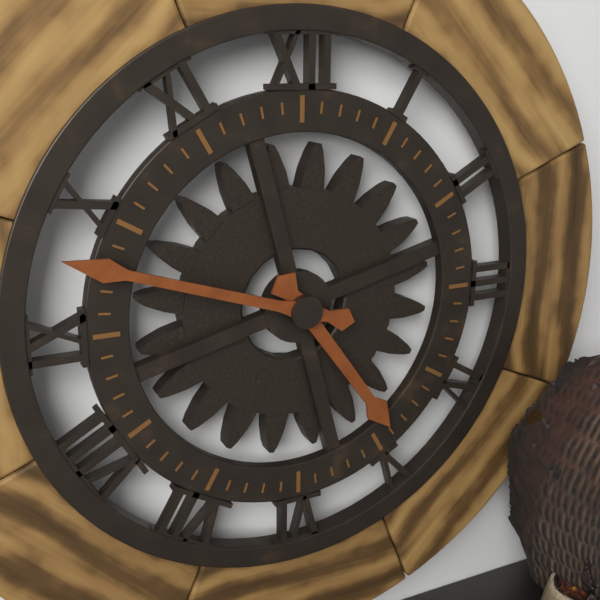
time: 4:48
